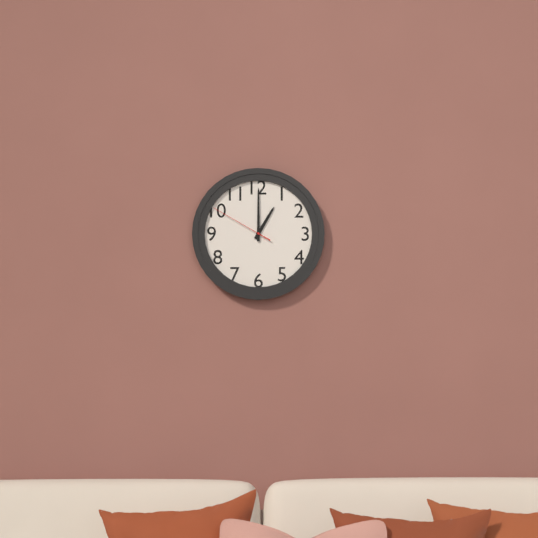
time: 1:00:50
